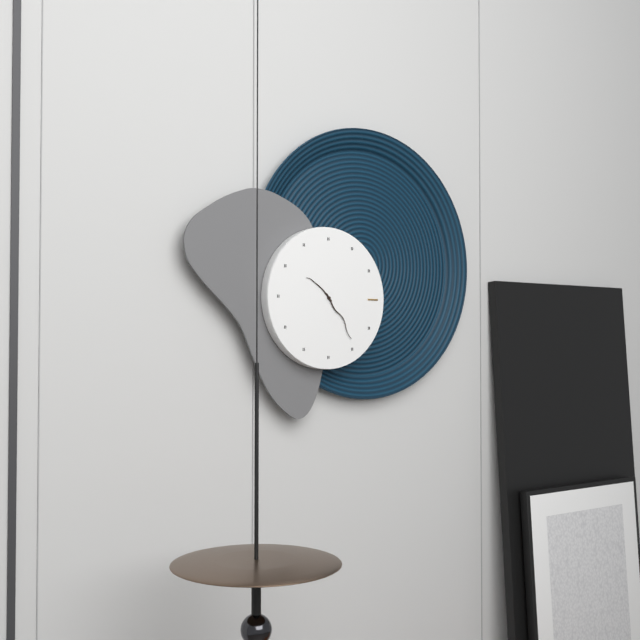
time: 10:24
